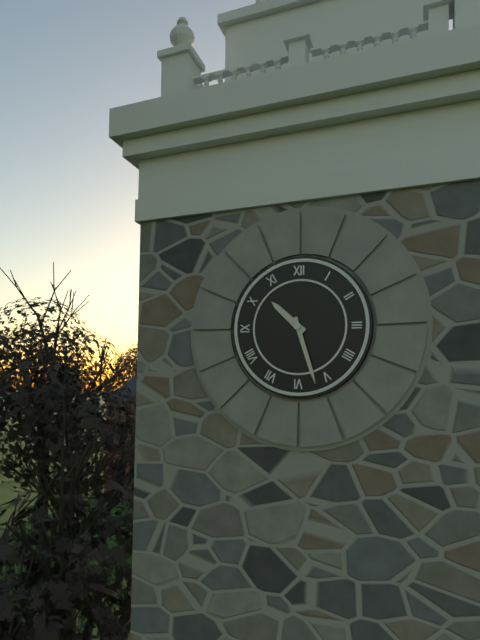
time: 10:27
